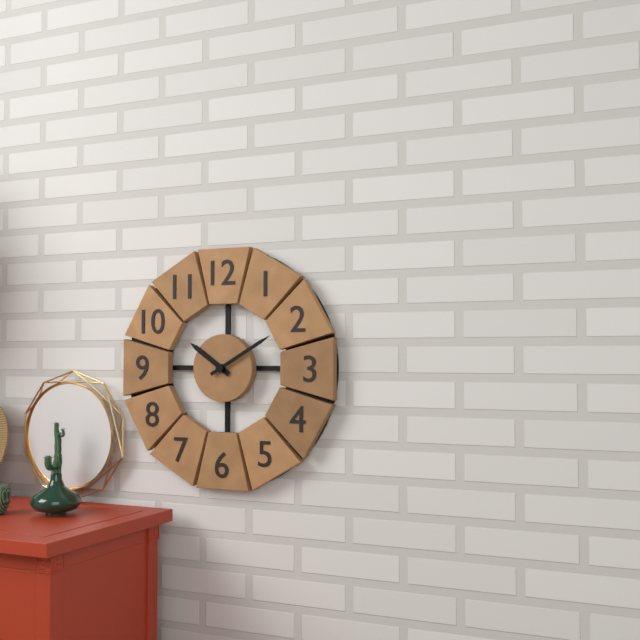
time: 10:10
